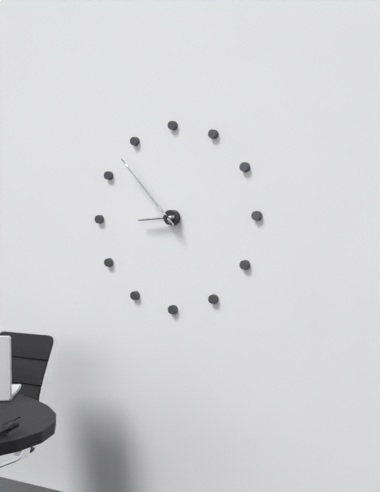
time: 8:53
